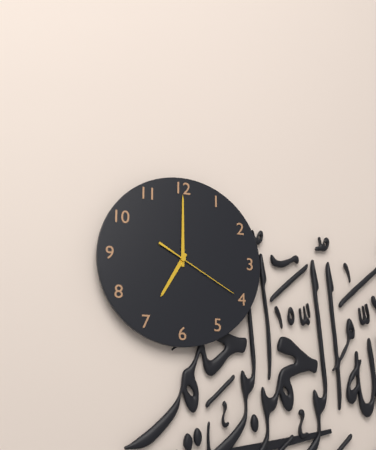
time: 7:00:20
